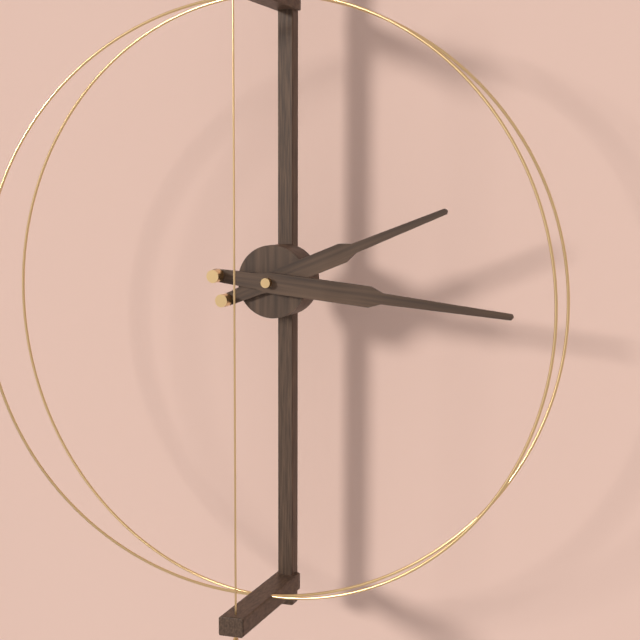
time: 2:16
